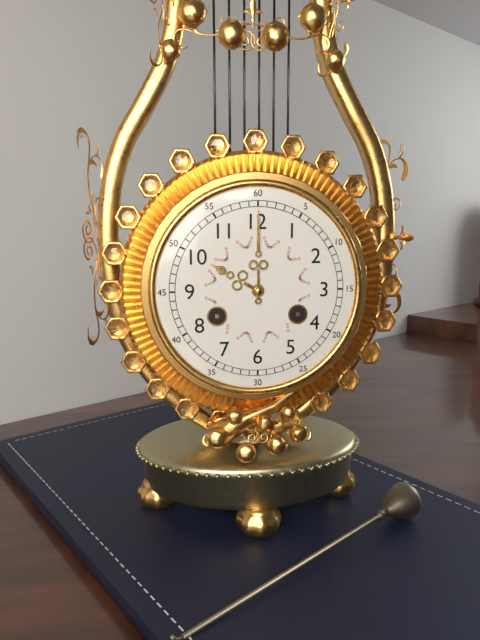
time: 10:00
